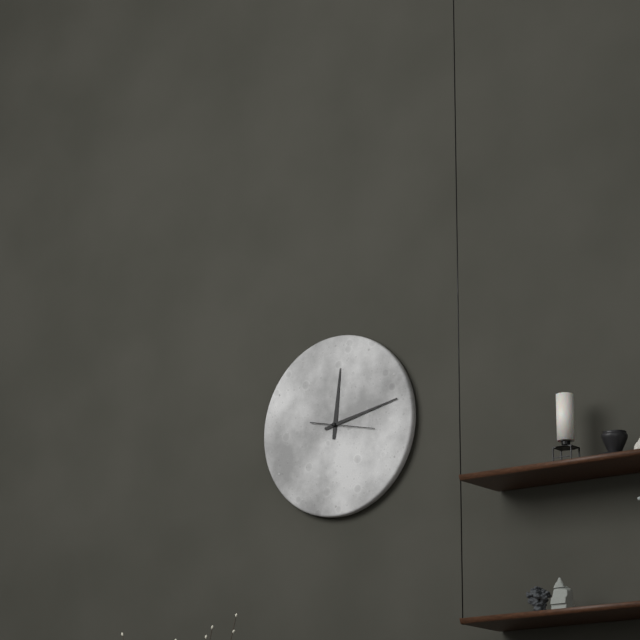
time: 12:13:17
